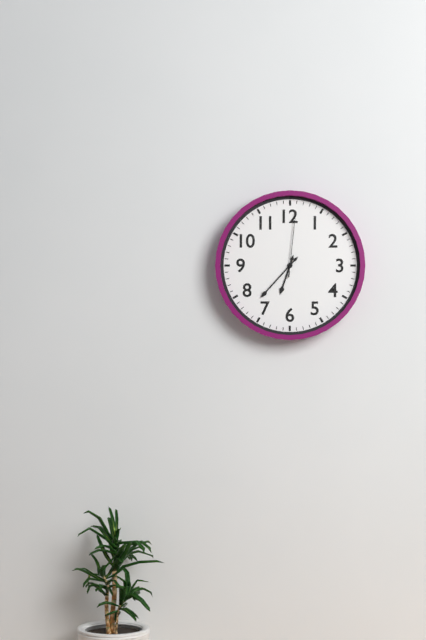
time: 6:37:01
